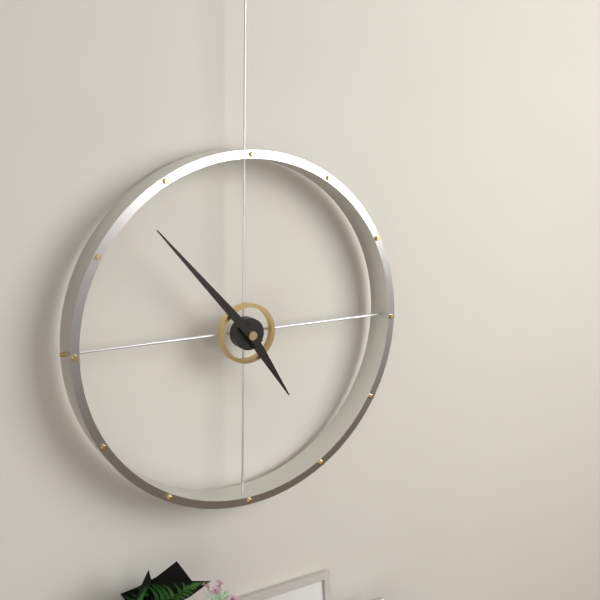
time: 4:53
